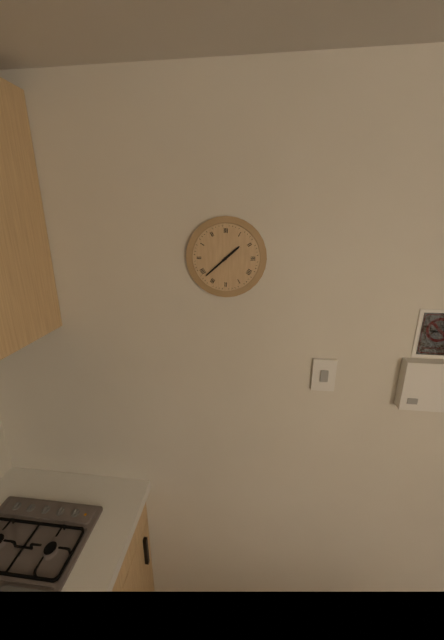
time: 1:38
